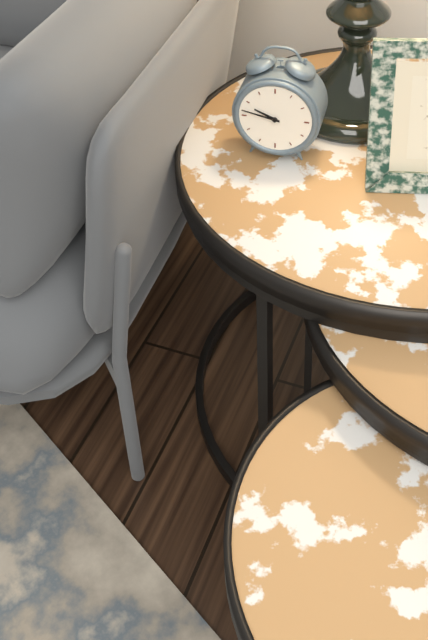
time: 9:47
